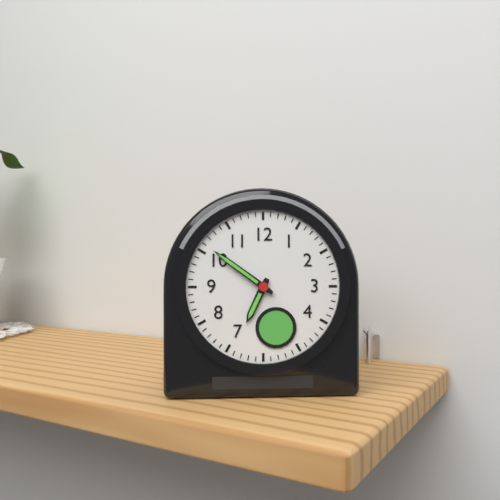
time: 6:51
